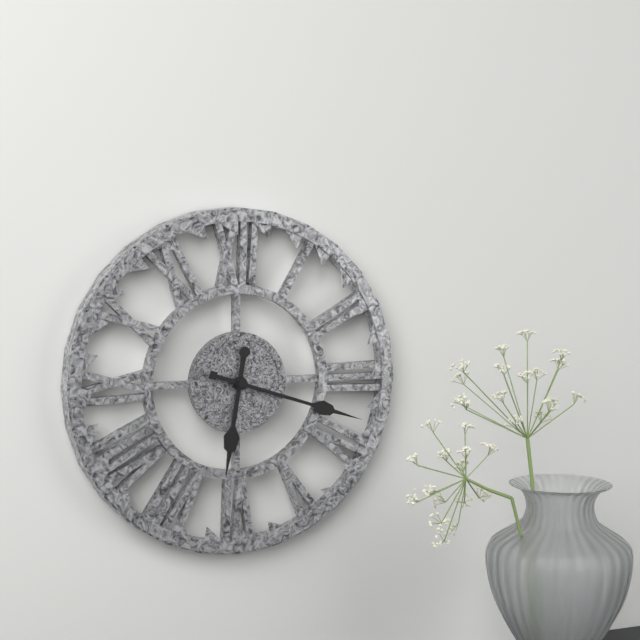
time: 6:18
